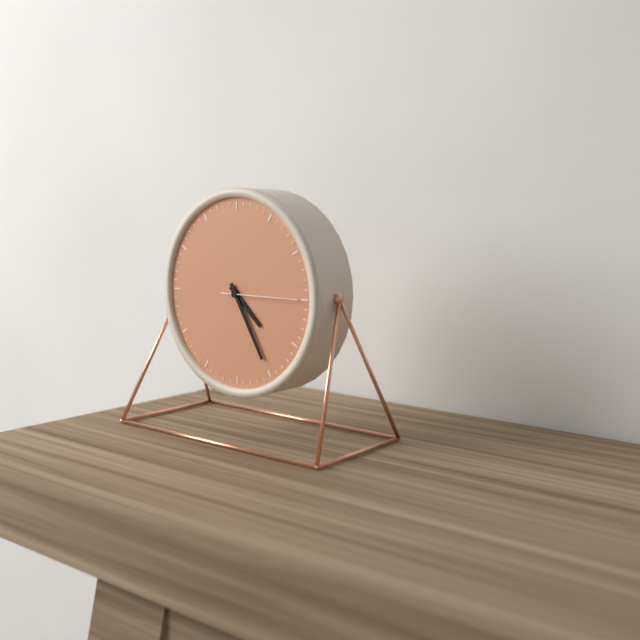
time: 4:25:15
